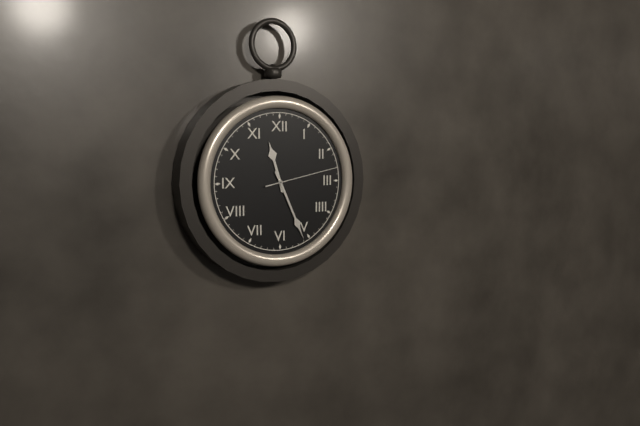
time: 11:26:13
